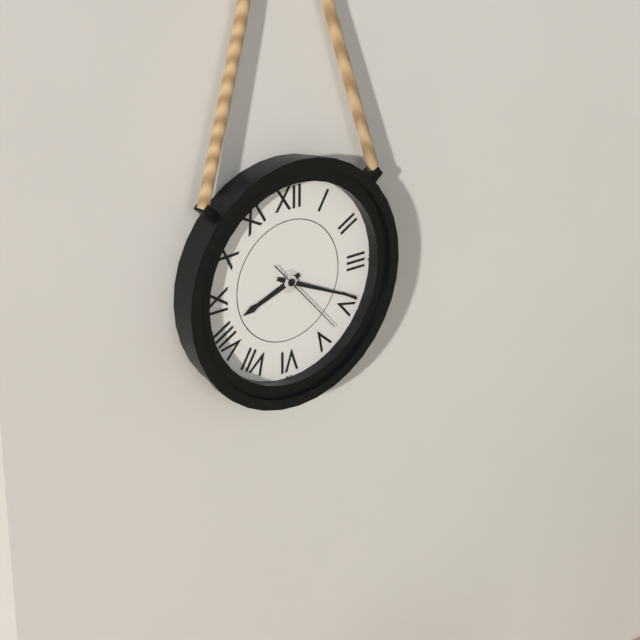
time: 8:19:23
